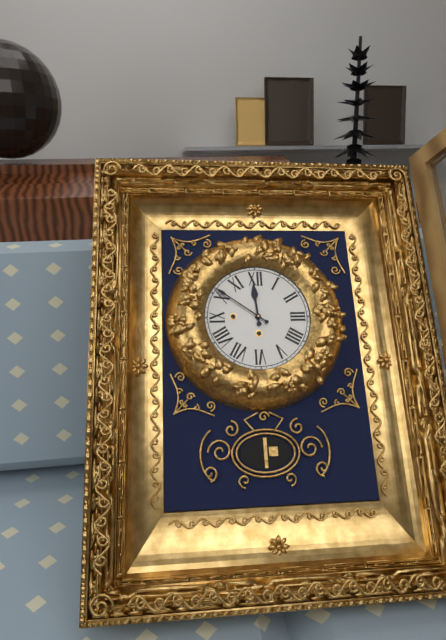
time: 11:51
